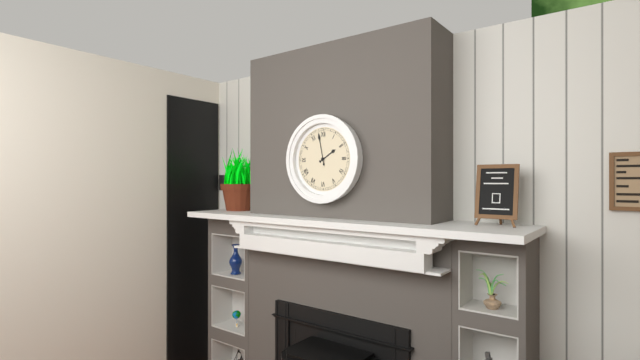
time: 1:58
